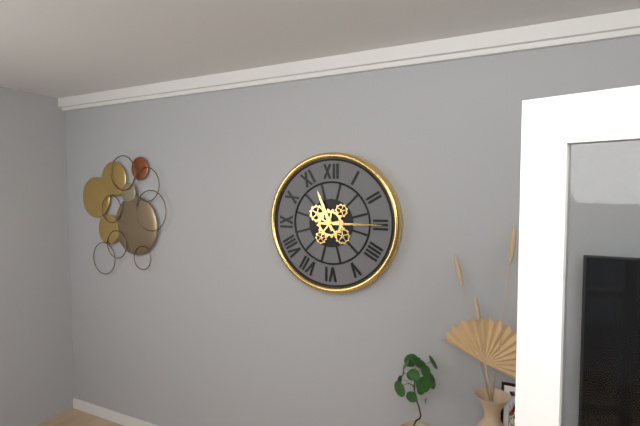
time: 11:15
